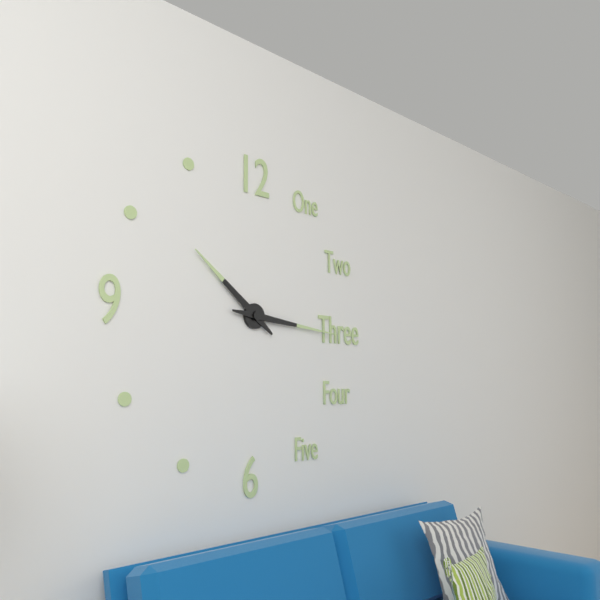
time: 10:16
